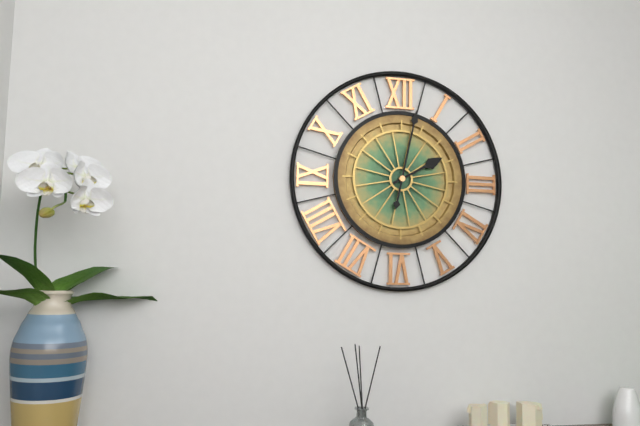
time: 2:02
